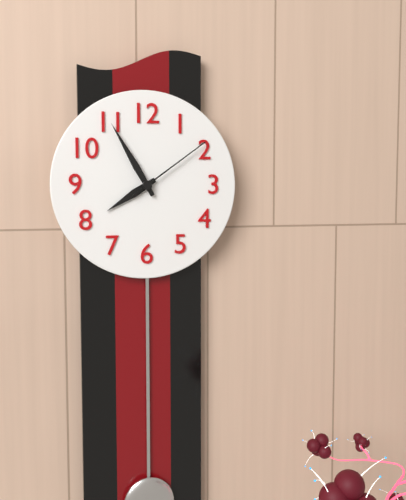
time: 7:55:09
